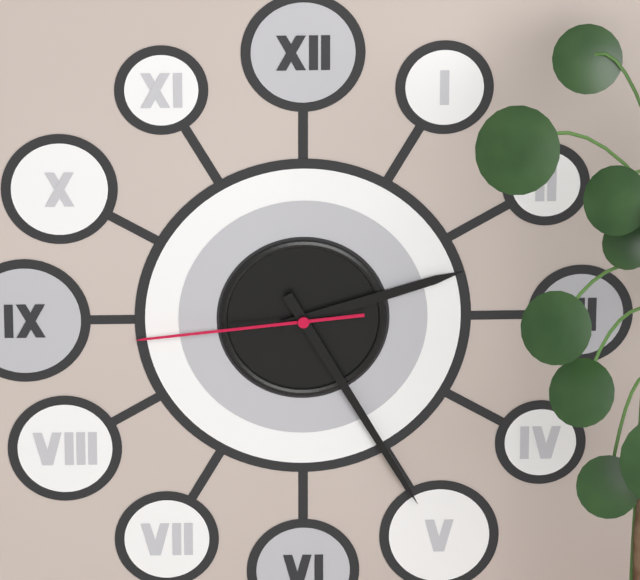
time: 2:25:44
